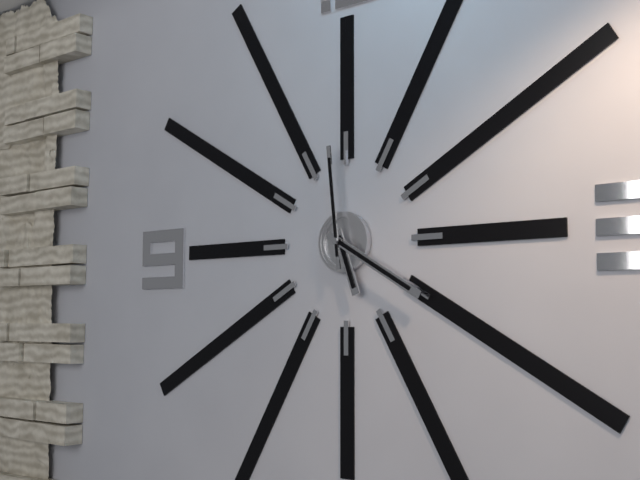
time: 5:20:59
